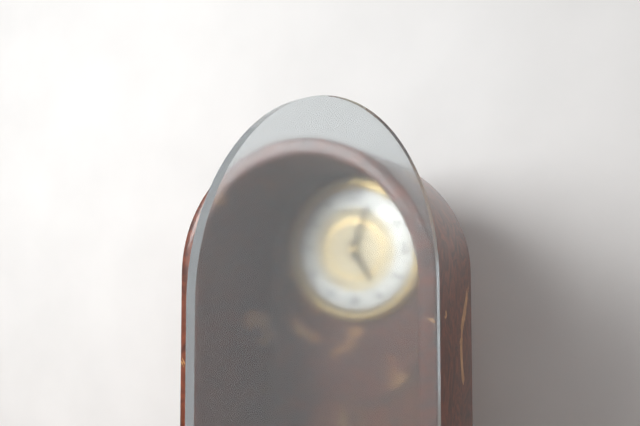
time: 5:03
